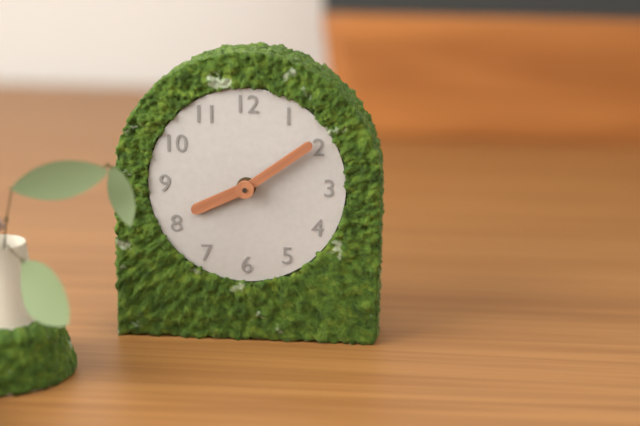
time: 8:09
